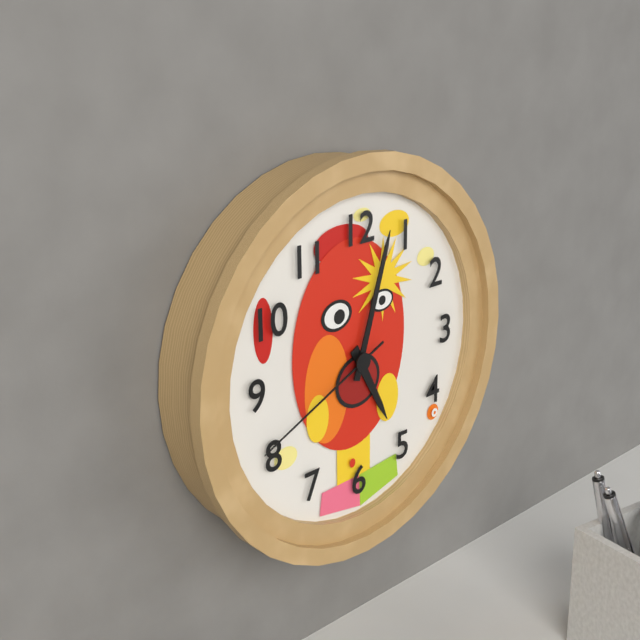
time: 5:03:41
